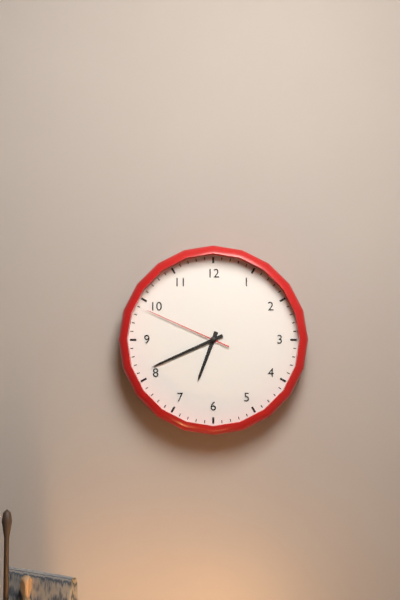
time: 6:41:49
